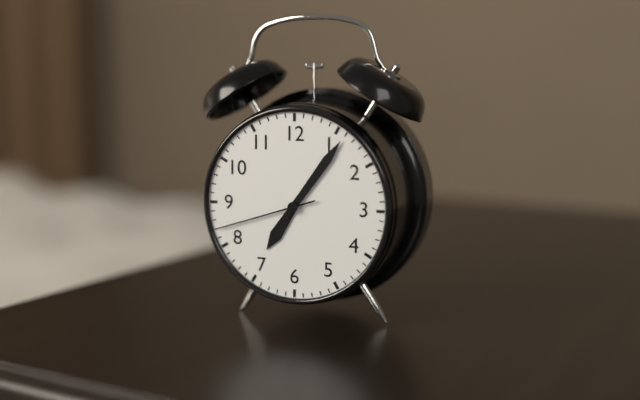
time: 7:06:42
